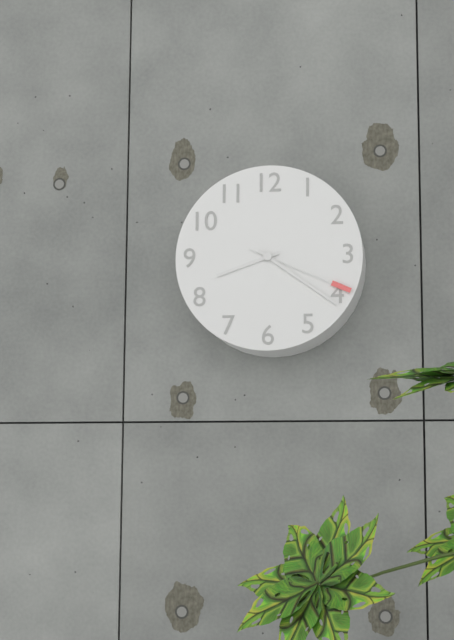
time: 8:21:19
